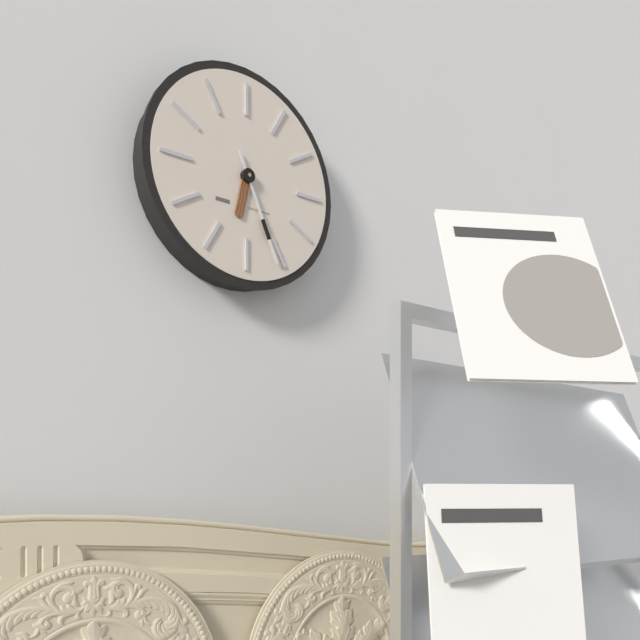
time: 6:26
